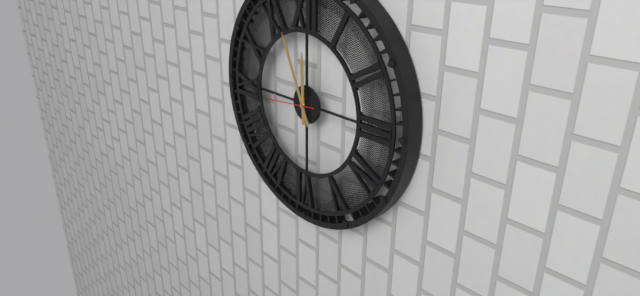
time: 11:56
